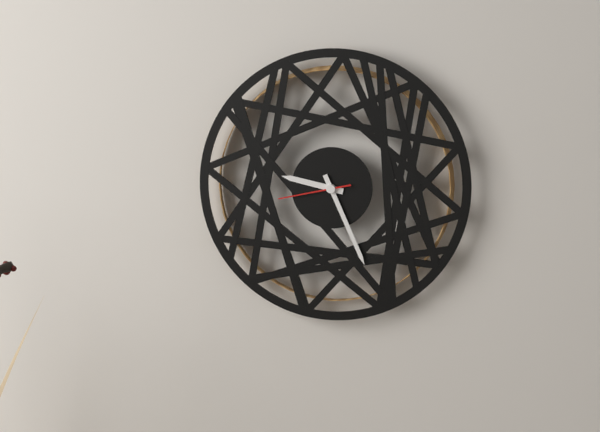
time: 9:26:43
